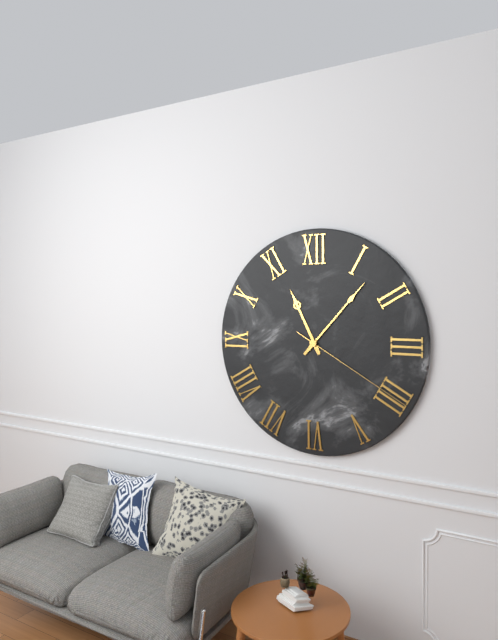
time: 11:07:20
